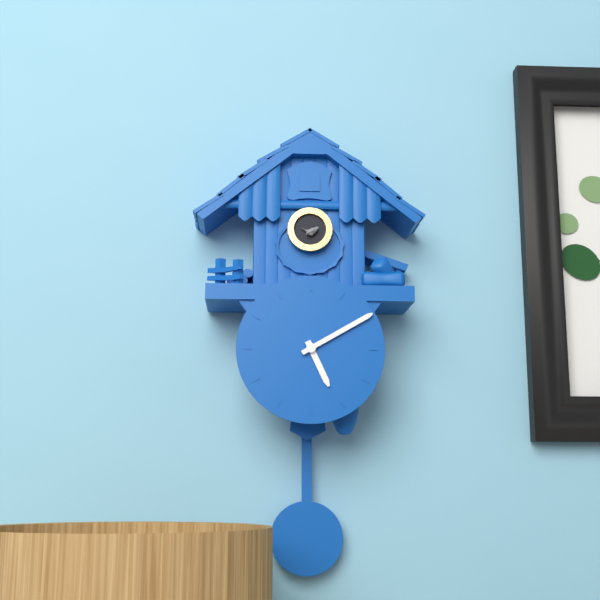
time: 5:10
